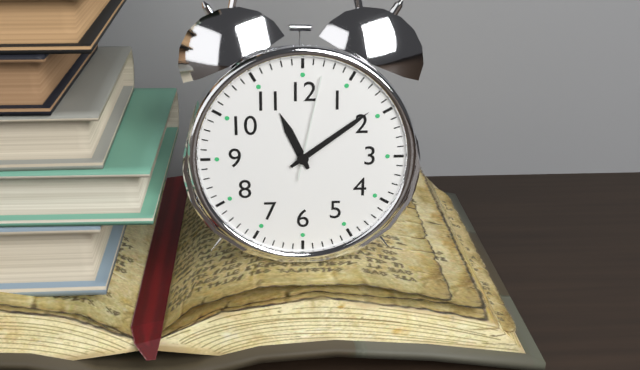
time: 11:09:02
